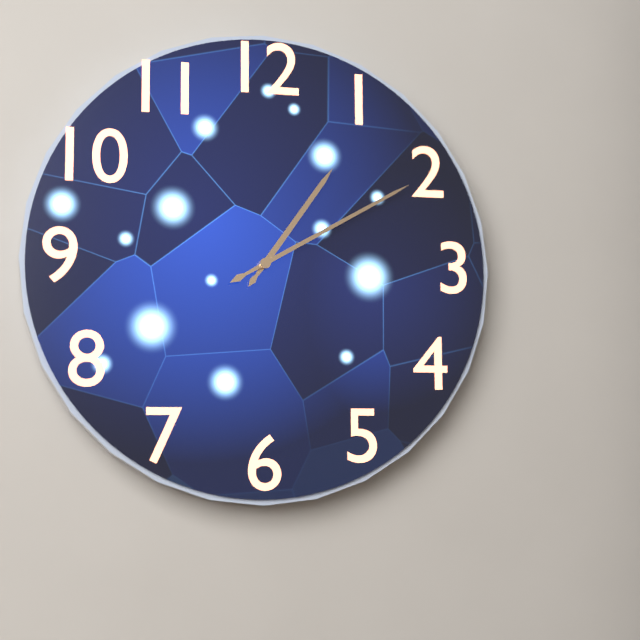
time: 1:10
